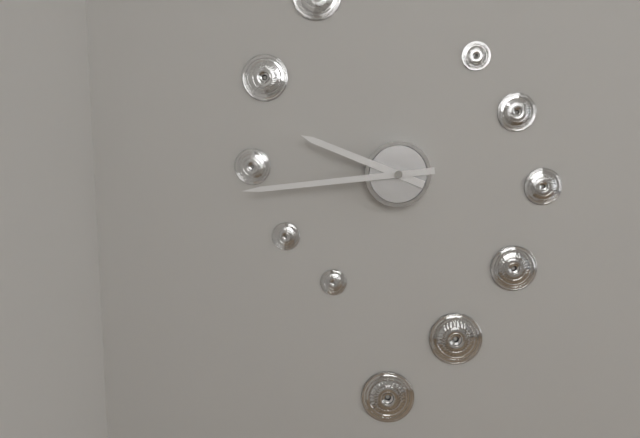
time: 9:44
